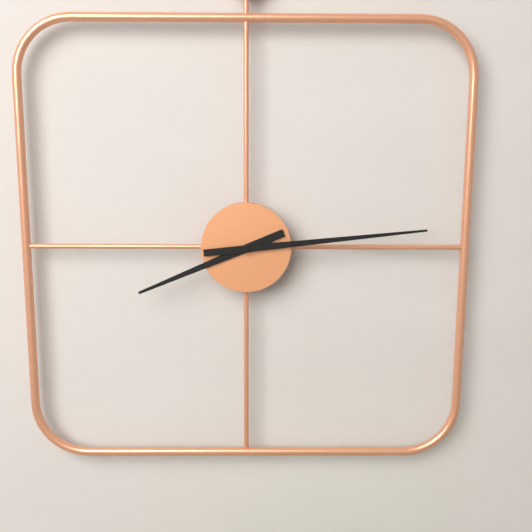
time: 8:14
